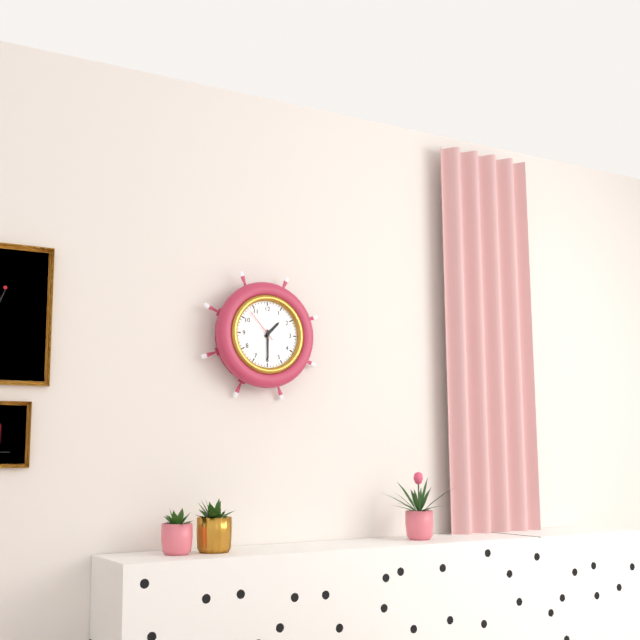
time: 1:30
